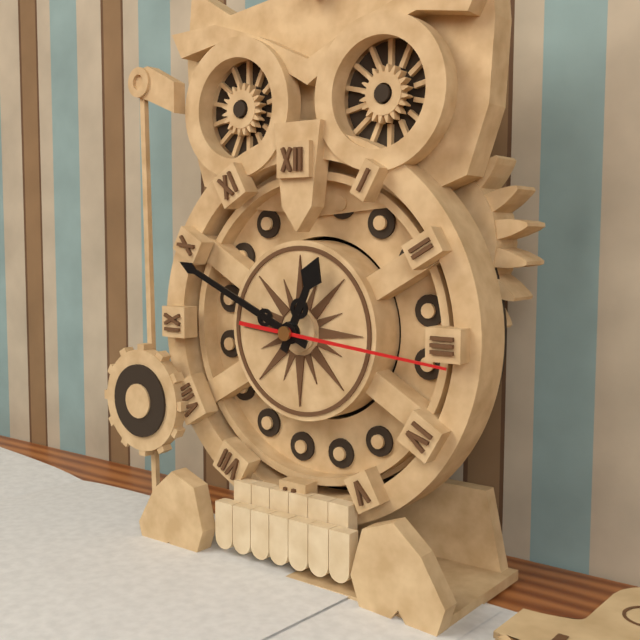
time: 12:49:16
